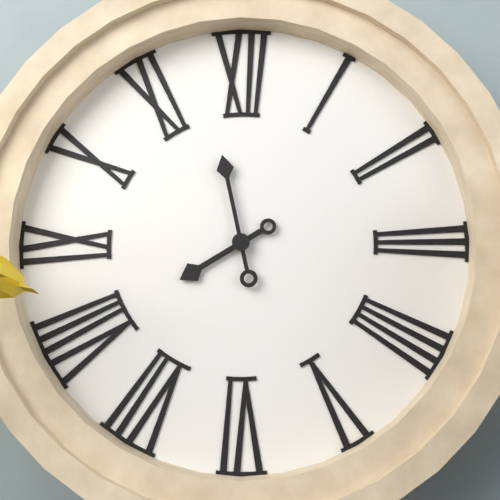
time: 7:58
